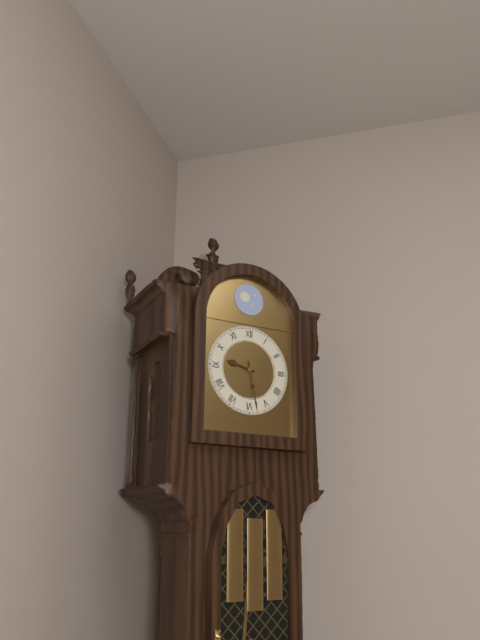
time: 9:28
